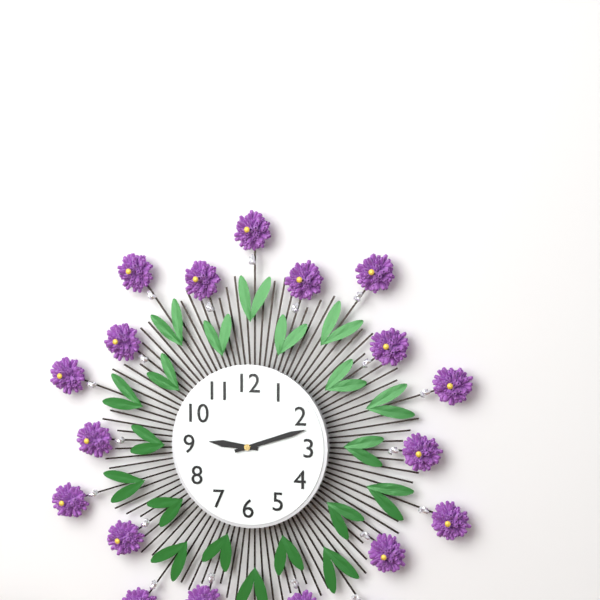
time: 9:12
